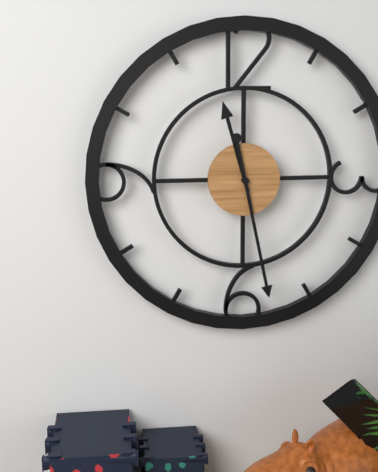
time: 11:28
